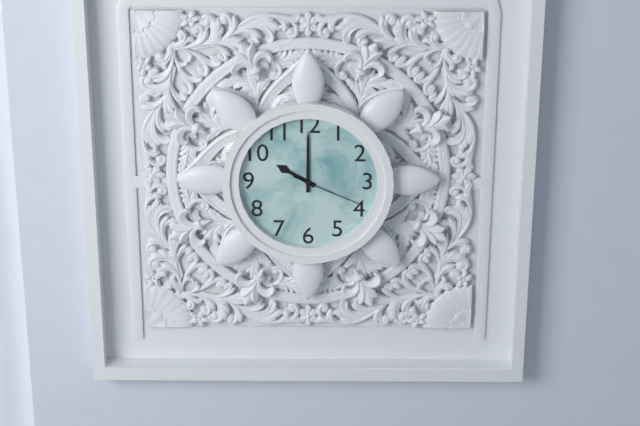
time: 10:00:19
